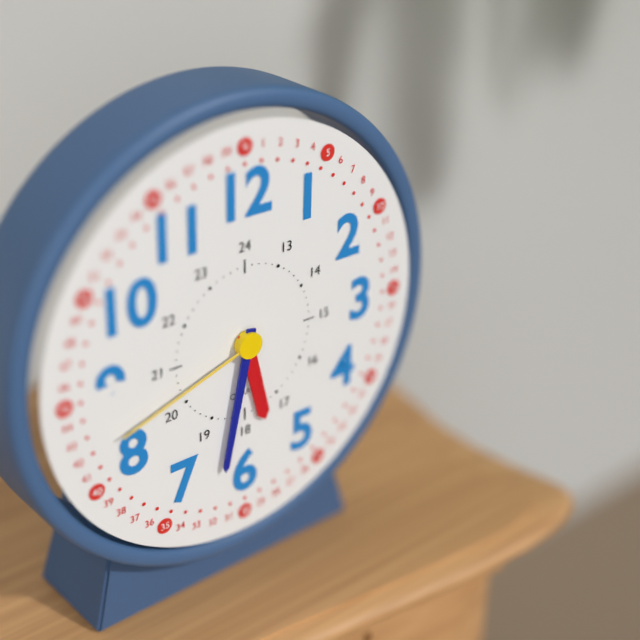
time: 5:32:42
